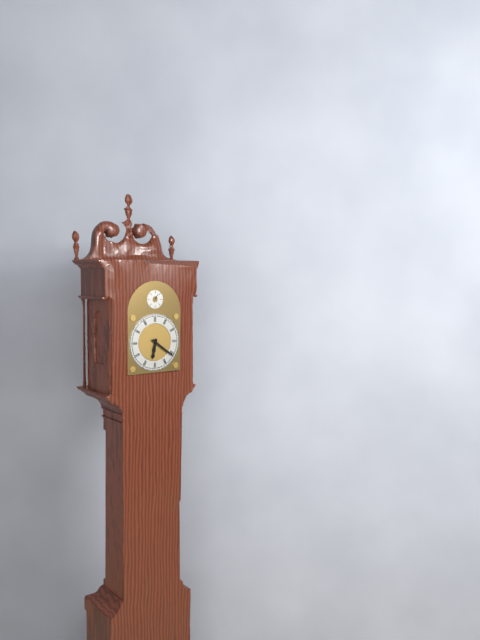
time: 6:21
